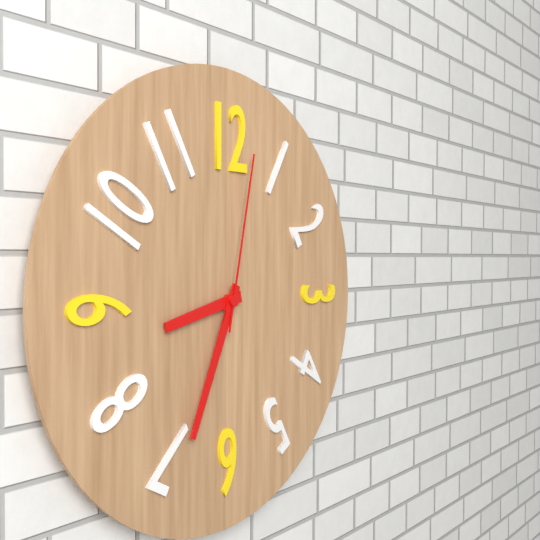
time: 8:34:02
